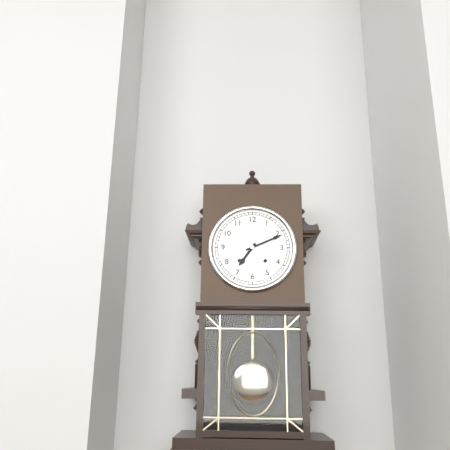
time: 7:11
